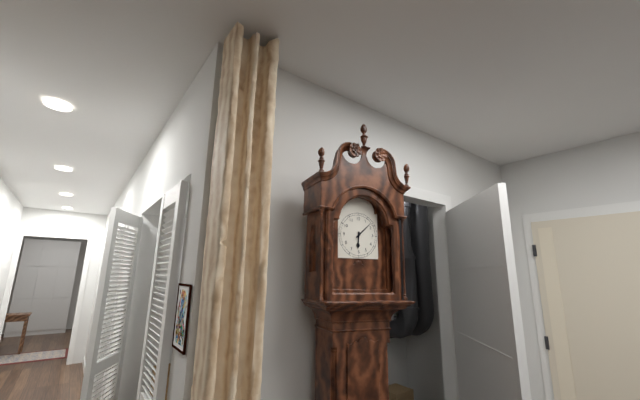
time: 6:08
